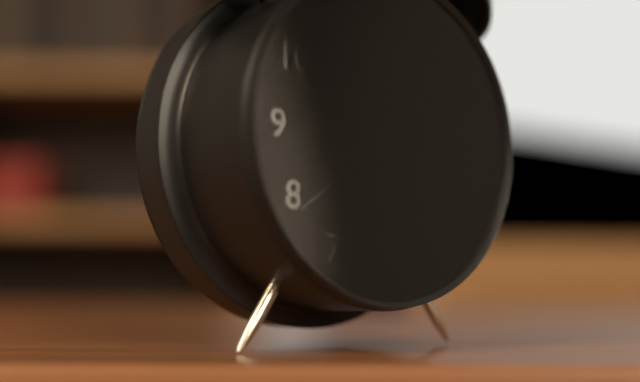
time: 4:23:39
